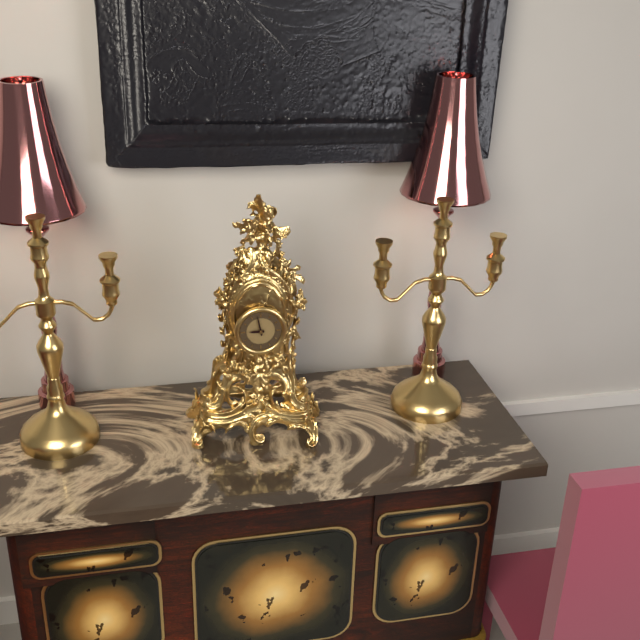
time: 8:58
